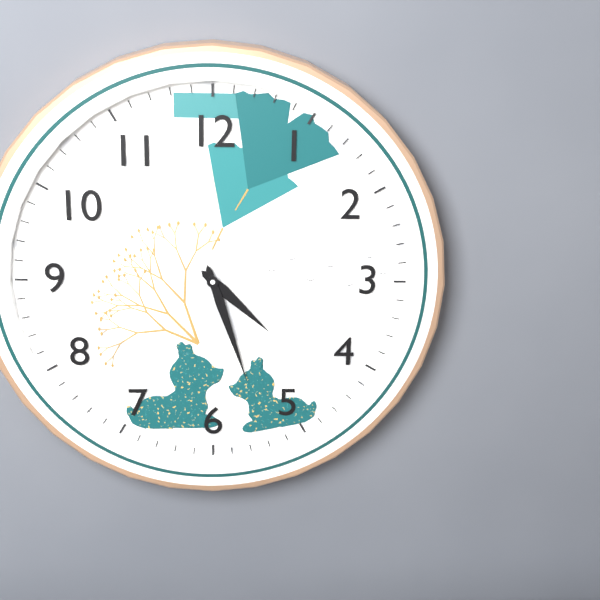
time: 4:27
